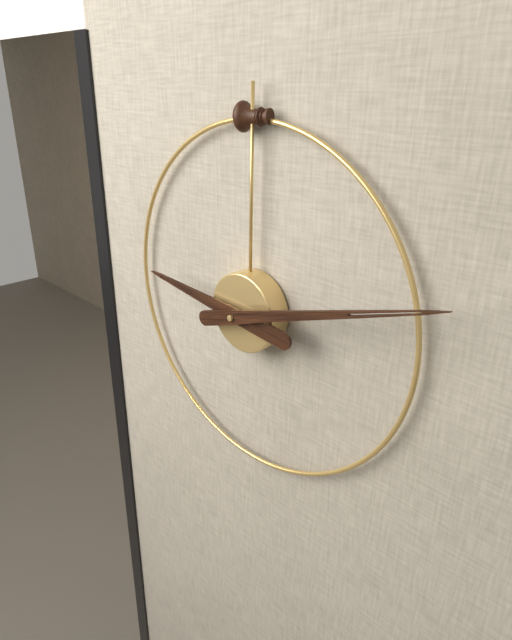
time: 9:12
